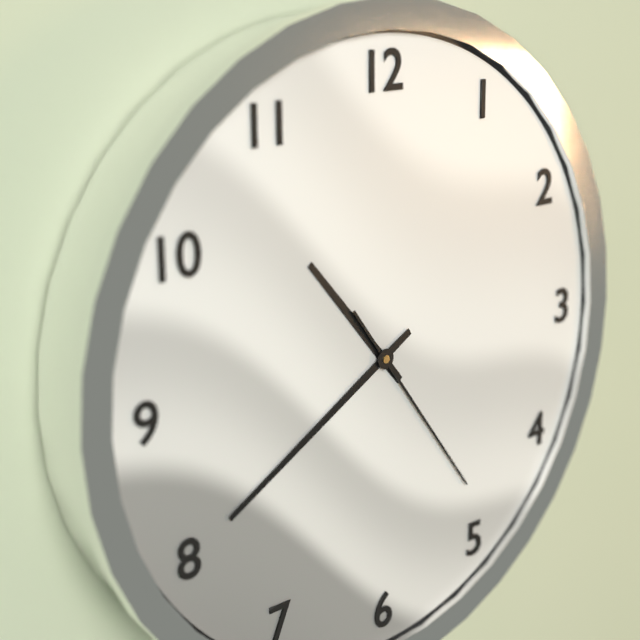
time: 10:40:24
